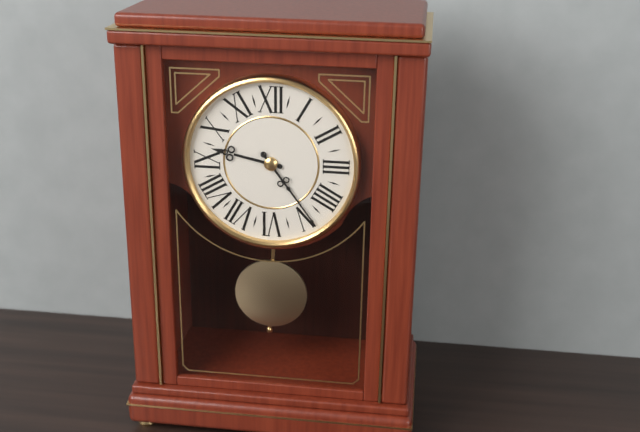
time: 9:24
